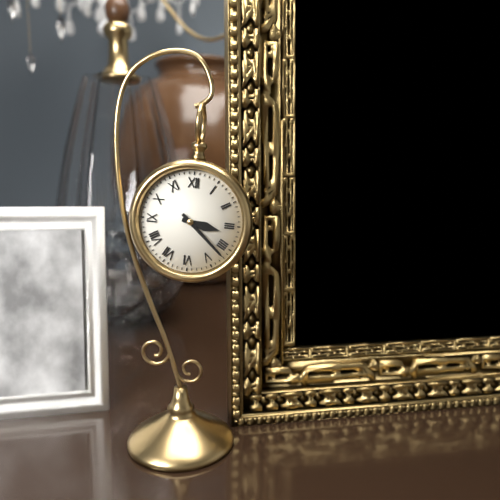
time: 3:22
